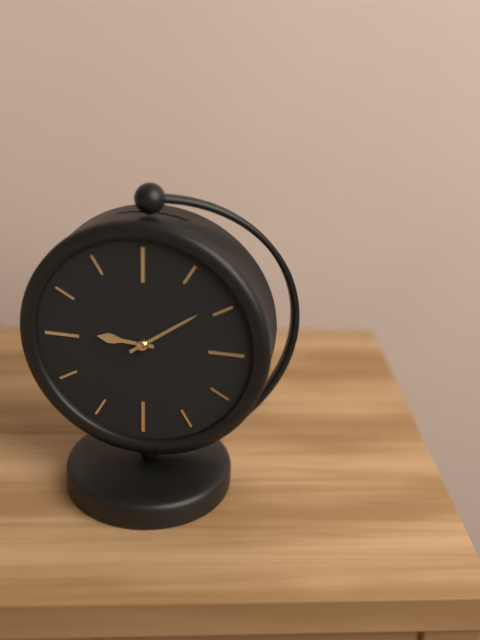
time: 9:09
